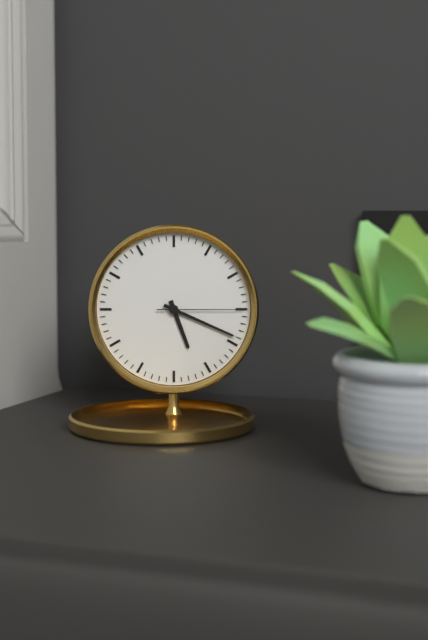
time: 5:19:15
